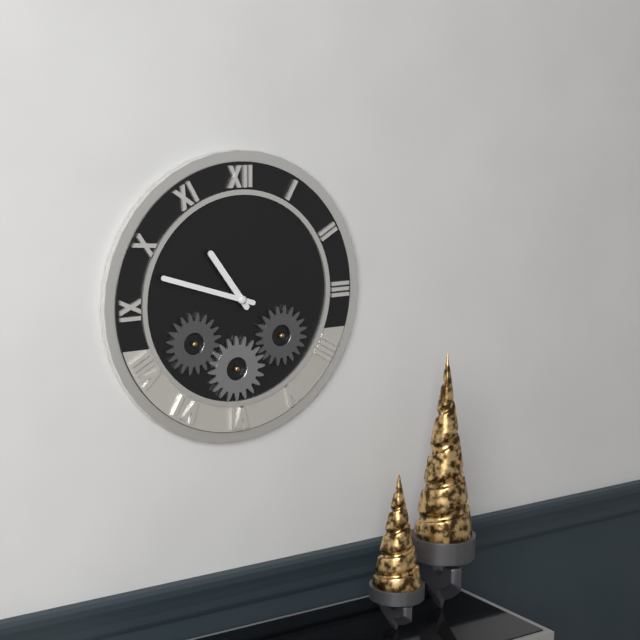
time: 10:48
